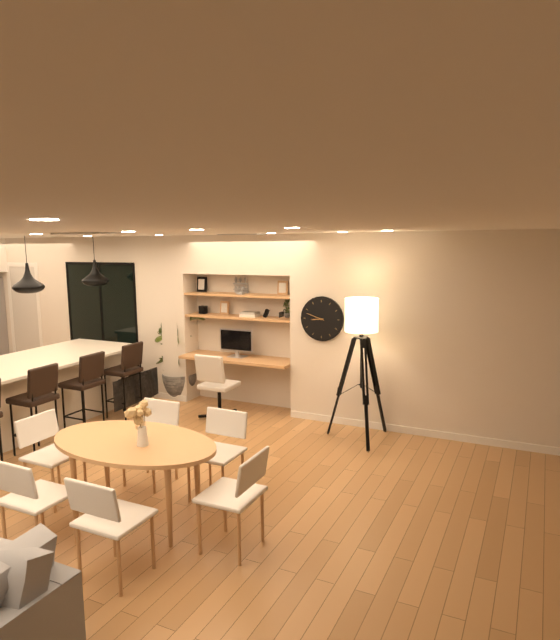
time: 8:48
